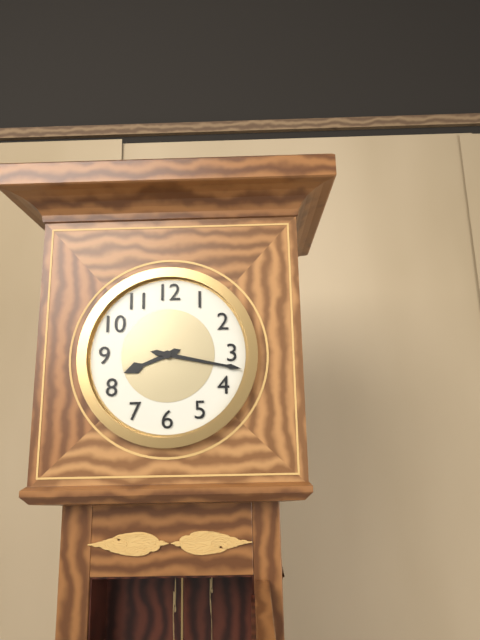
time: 8:17
